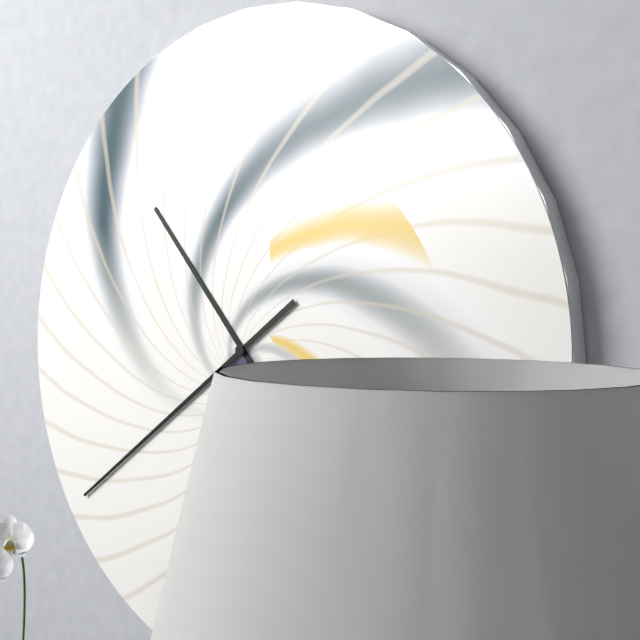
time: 10:39
